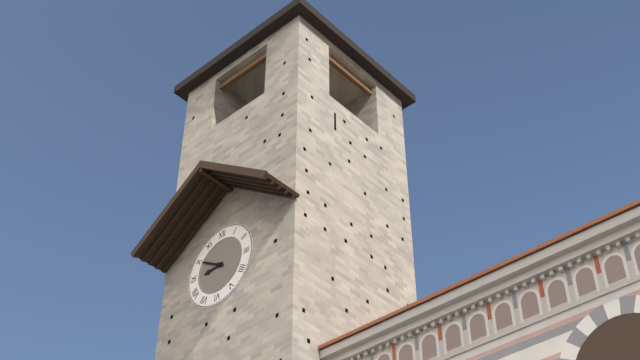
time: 8:50
